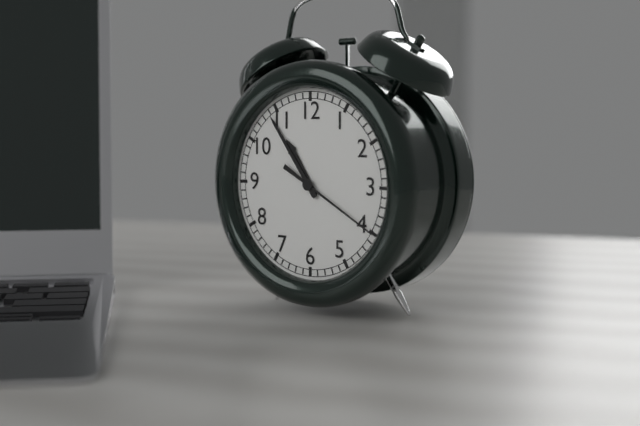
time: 10:54:20
